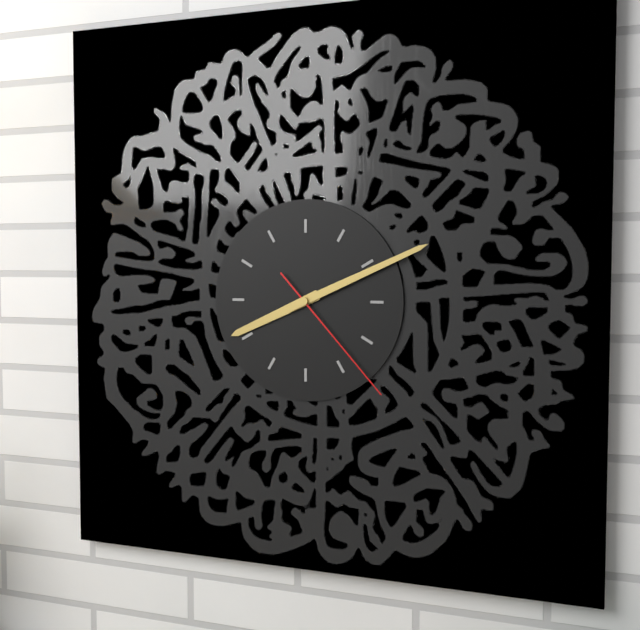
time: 8:11:23
